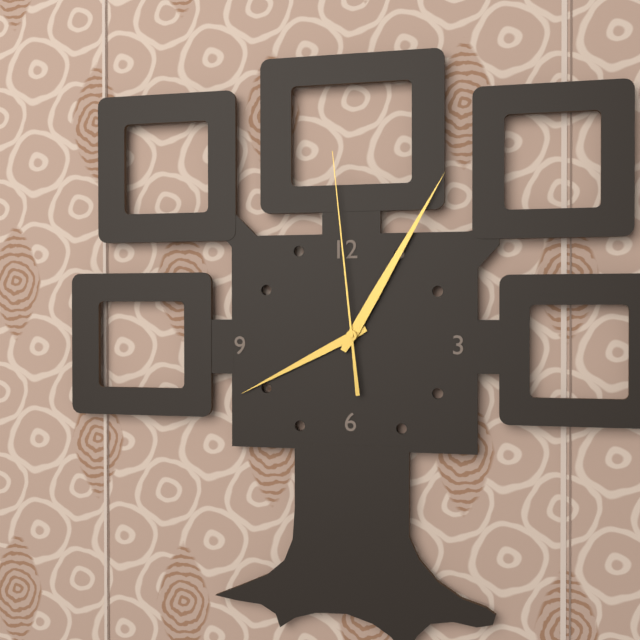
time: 8:05:59
